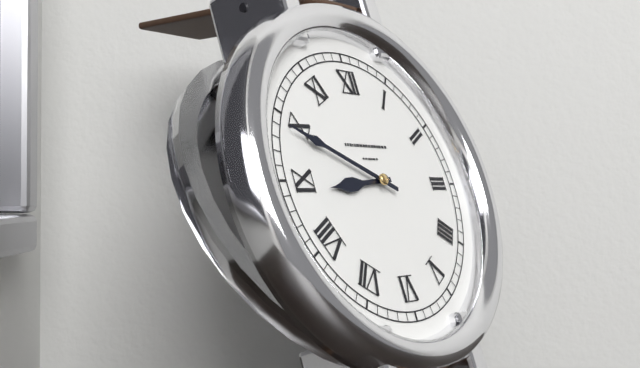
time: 8:49
